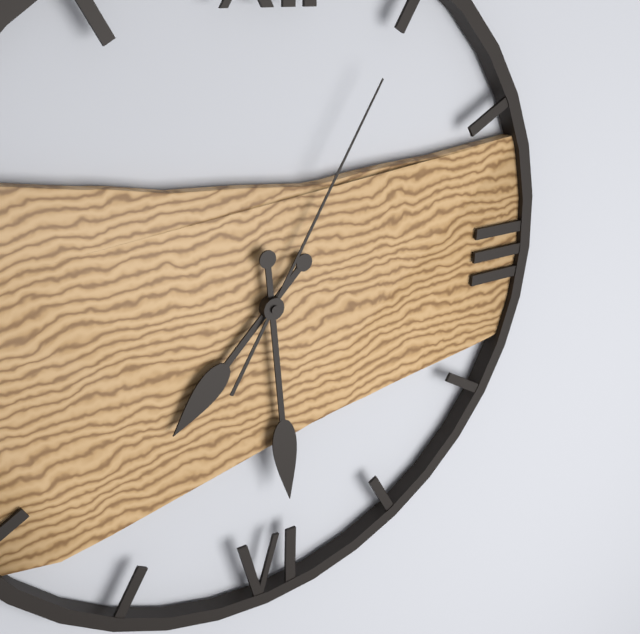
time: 7:29:05
